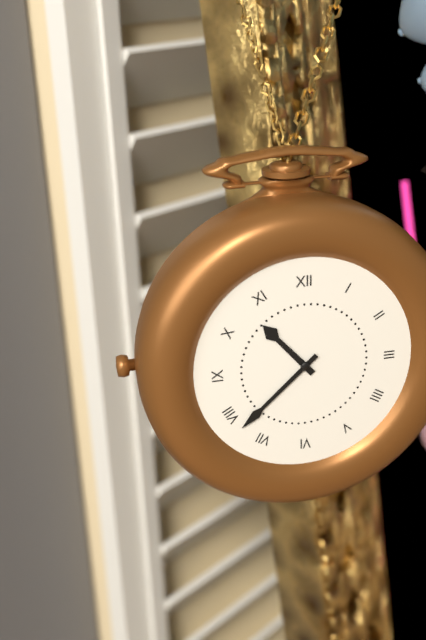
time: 10:38
